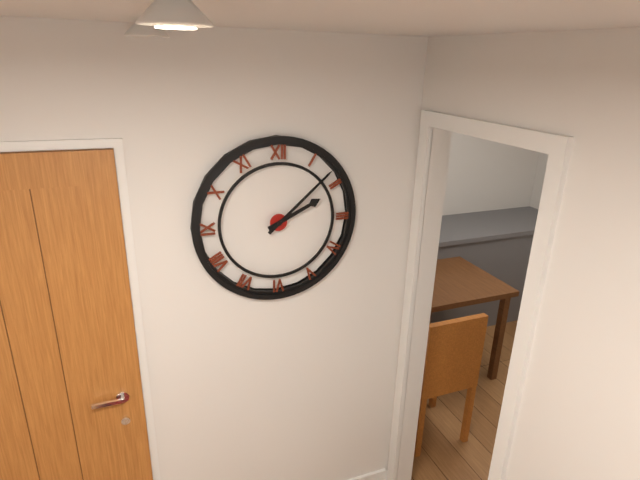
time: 2:08
